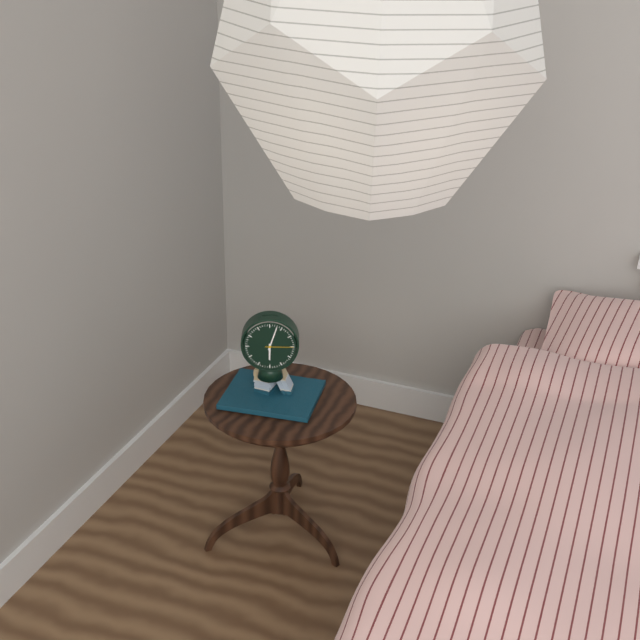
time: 6:03
